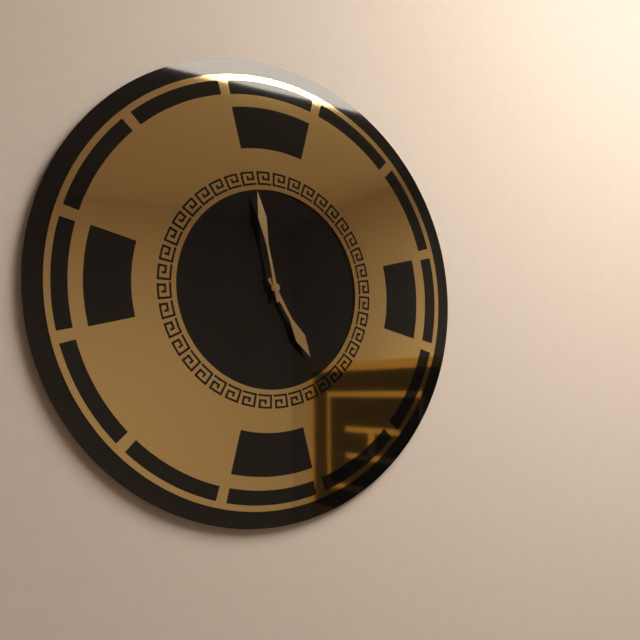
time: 4:58
